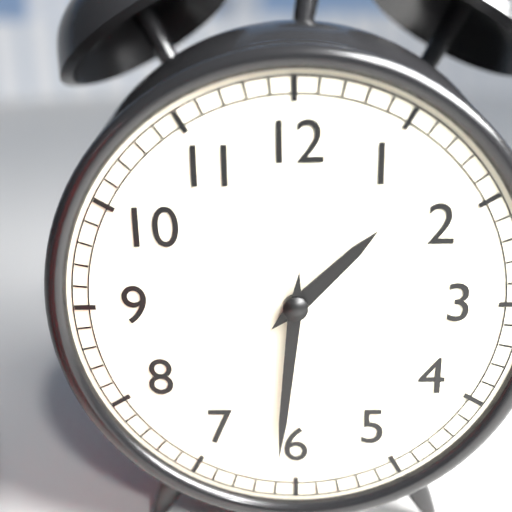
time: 1:31
